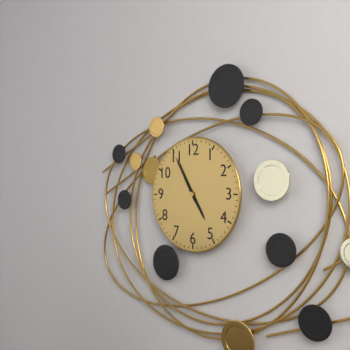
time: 4:55
